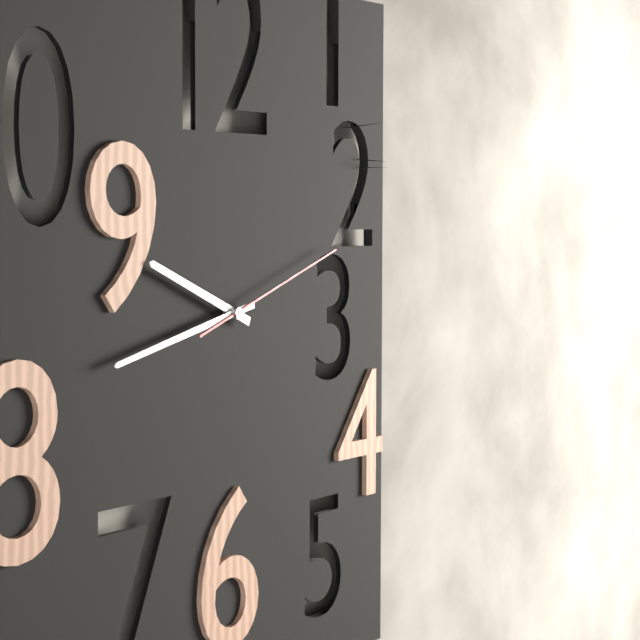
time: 9:43:12
